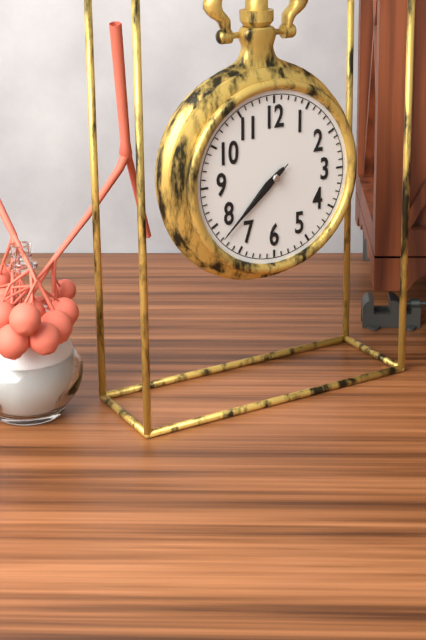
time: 7:38:38
